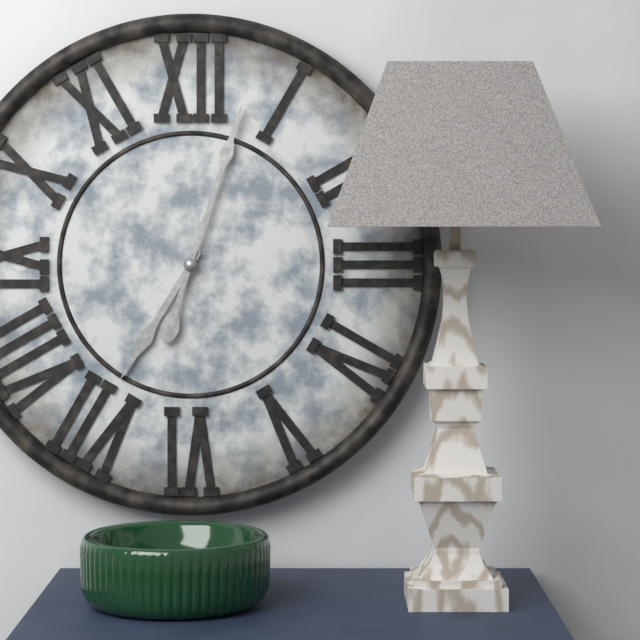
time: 7:03
